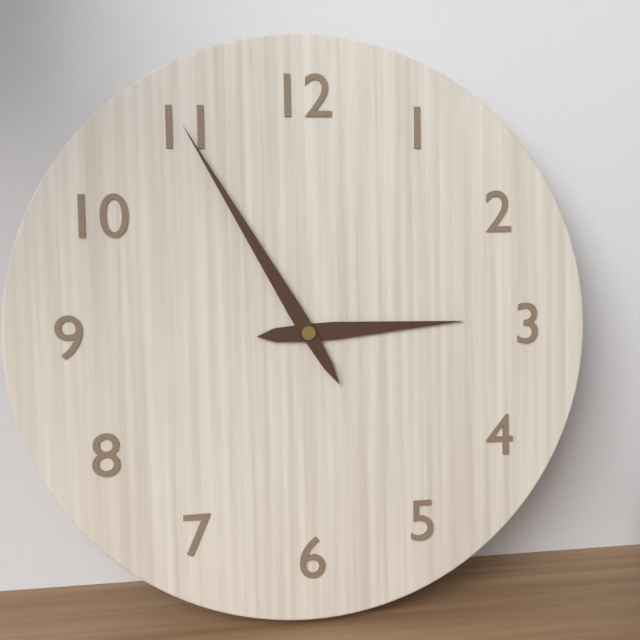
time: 2:55
